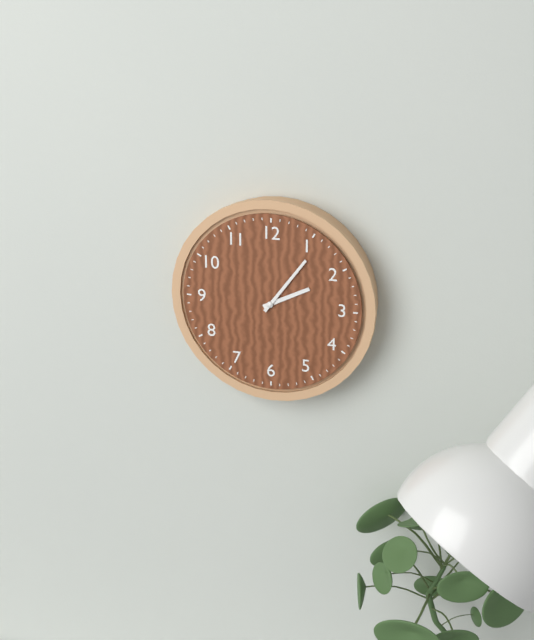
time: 2:06
